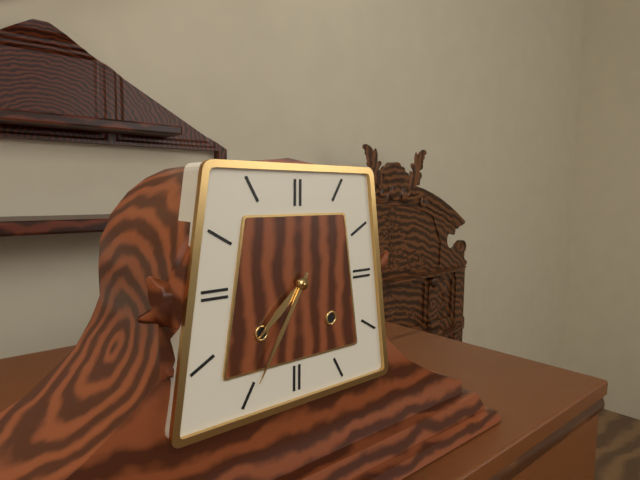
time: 7:35
